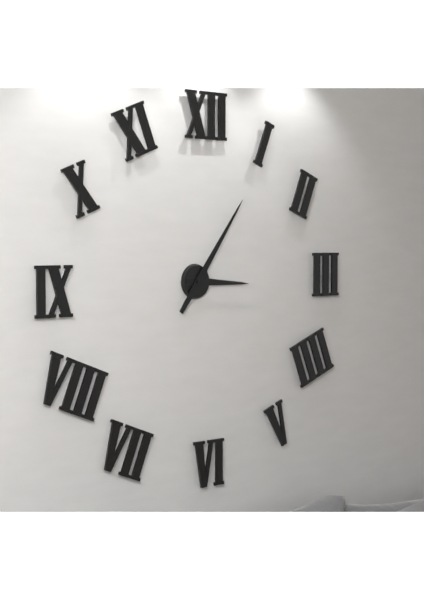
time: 3:06
